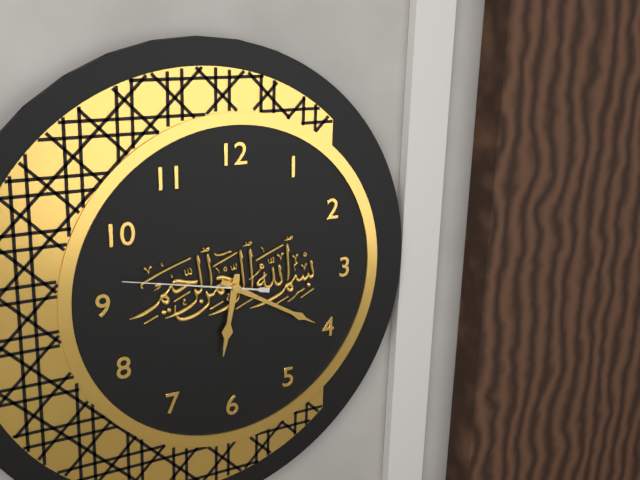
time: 6:20:47
